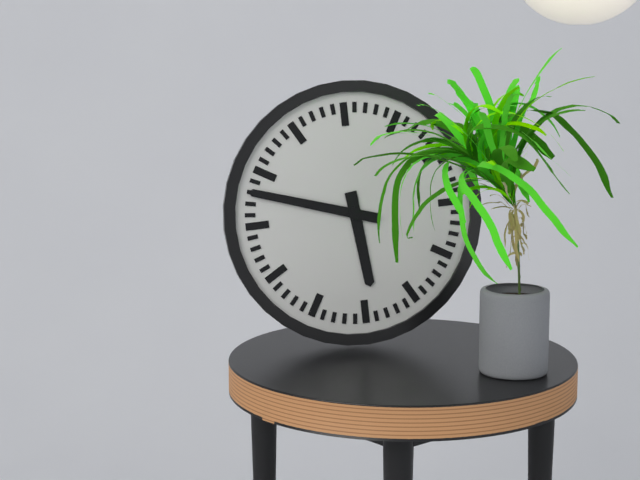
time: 5:48
